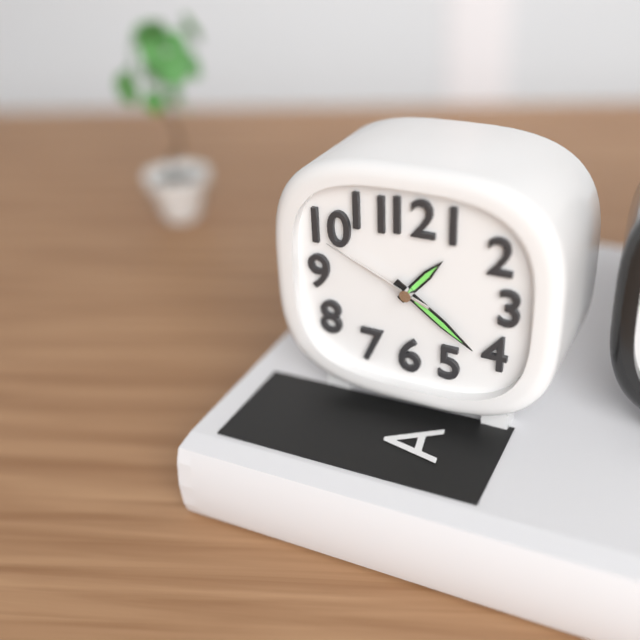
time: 1:21:49
